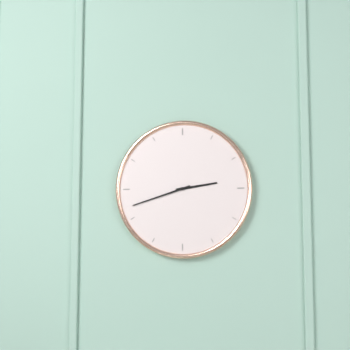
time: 2:42
